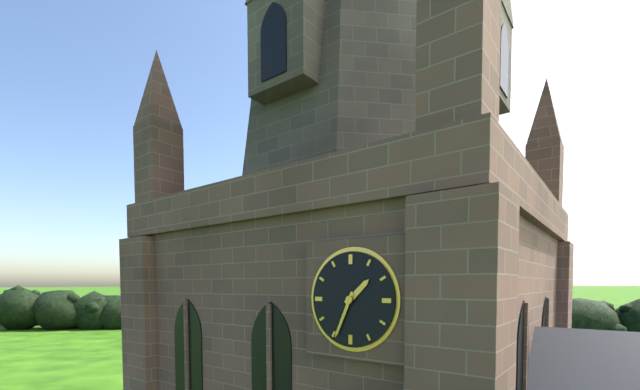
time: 1:34
